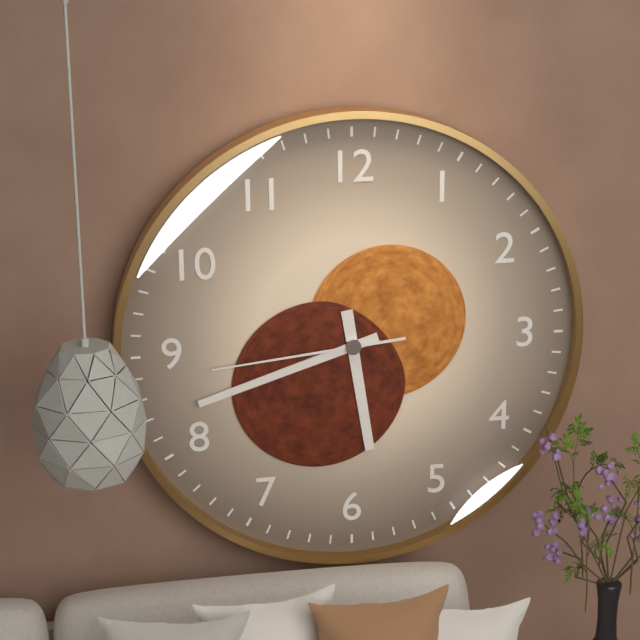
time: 5:42:44
